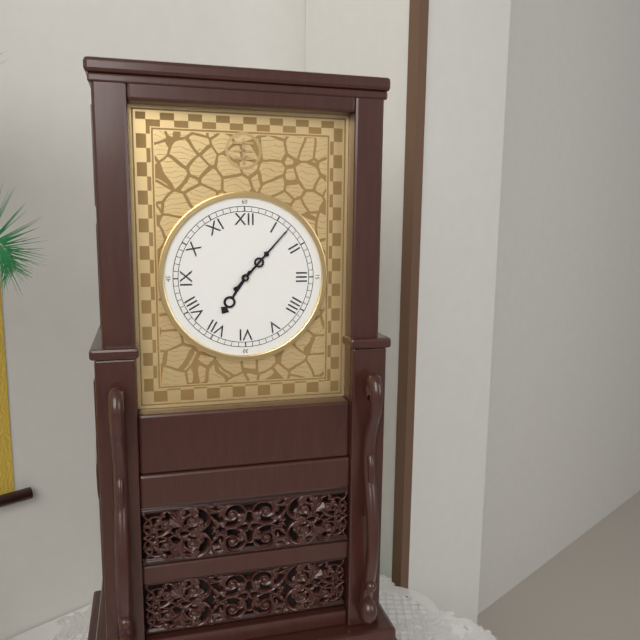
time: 7:07
